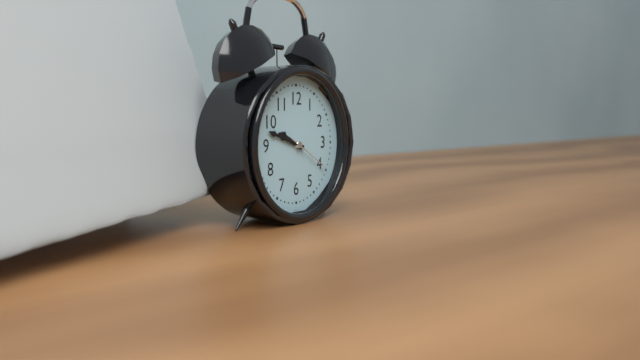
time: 9:48
